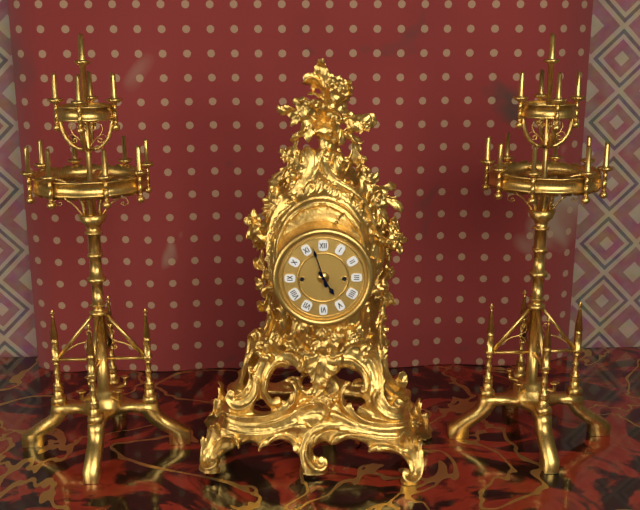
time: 4:57
